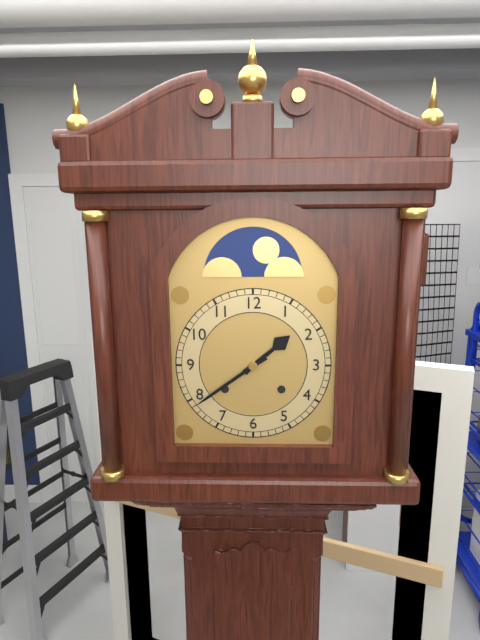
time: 1:39
